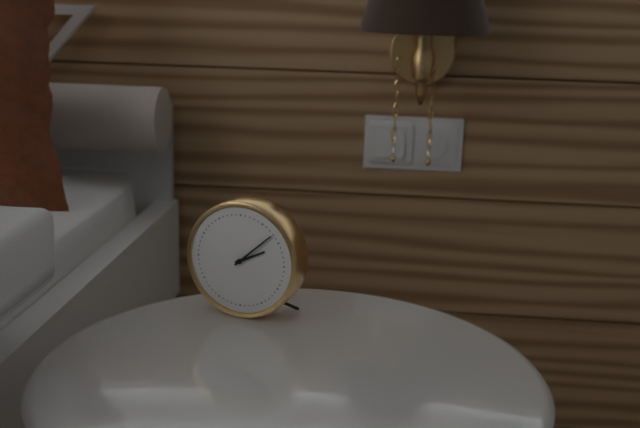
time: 2:08
